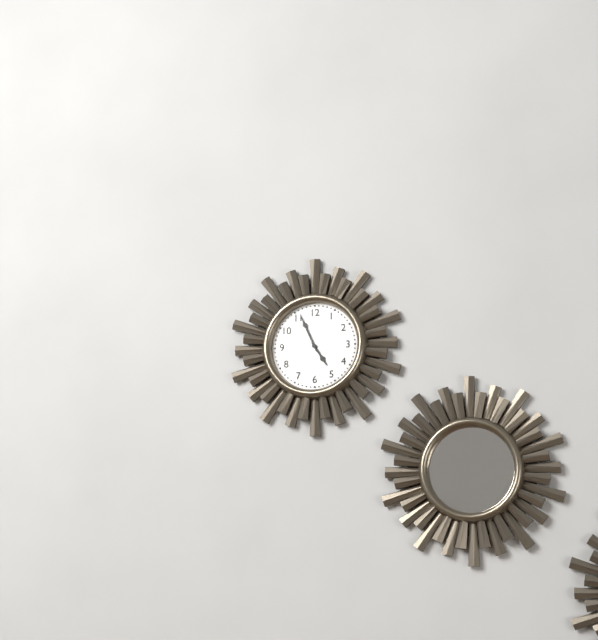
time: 4:56
